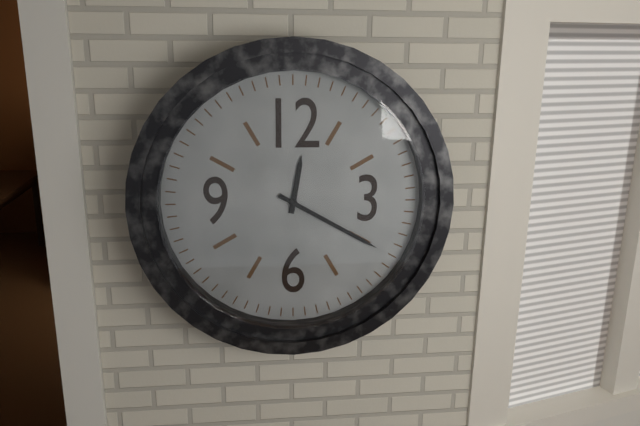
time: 12:20
